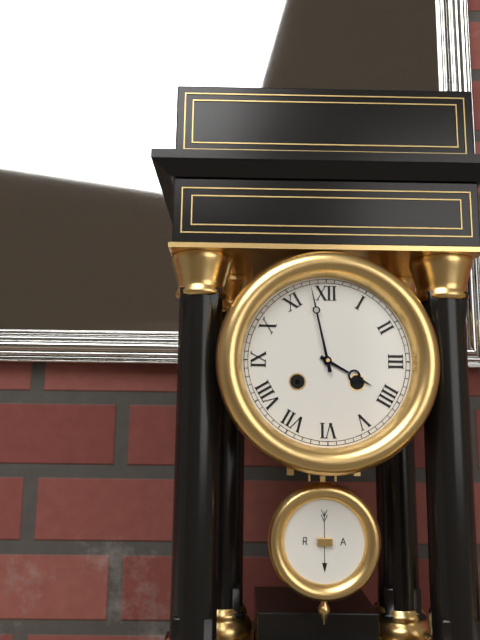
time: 3:58
